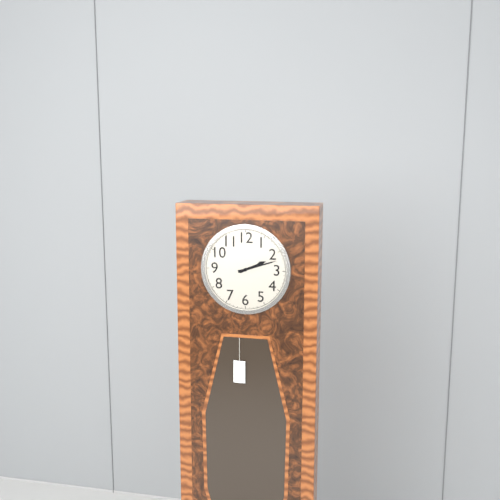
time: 2:12
